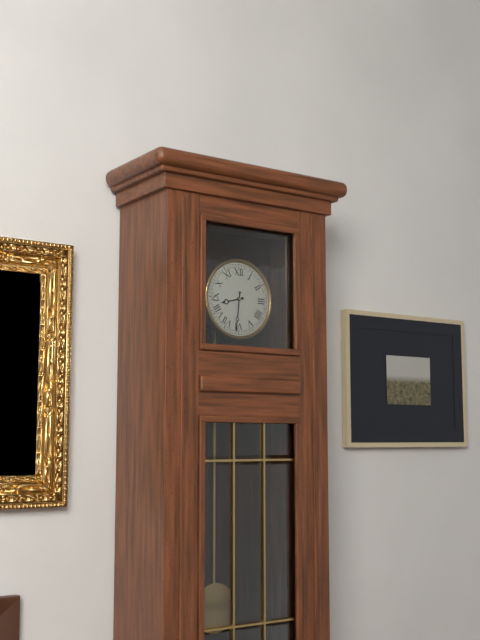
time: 8:31
